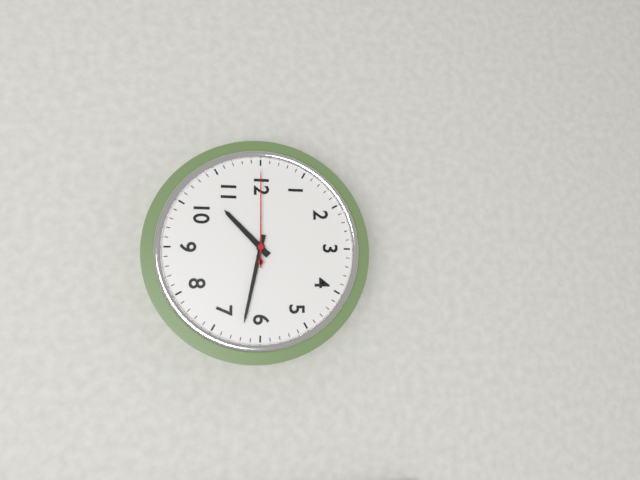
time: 10:32:00
